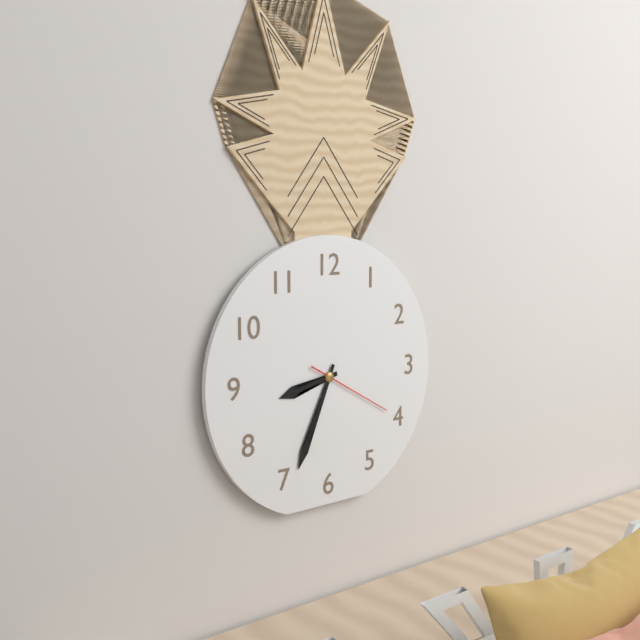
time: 8:34:20
